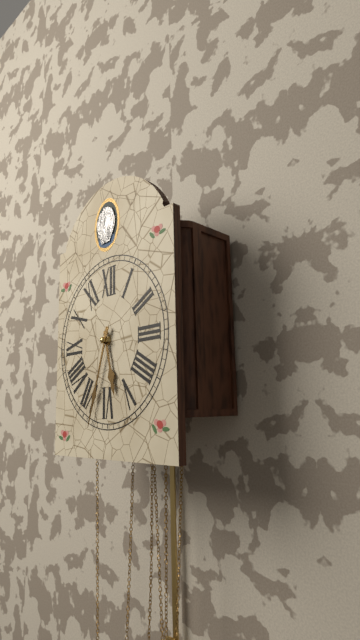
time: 5:33
